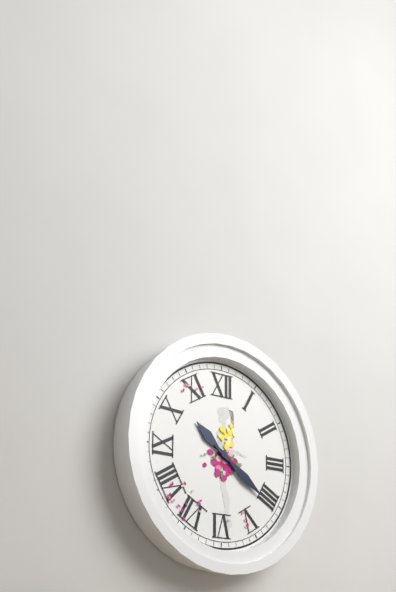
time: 10:21
